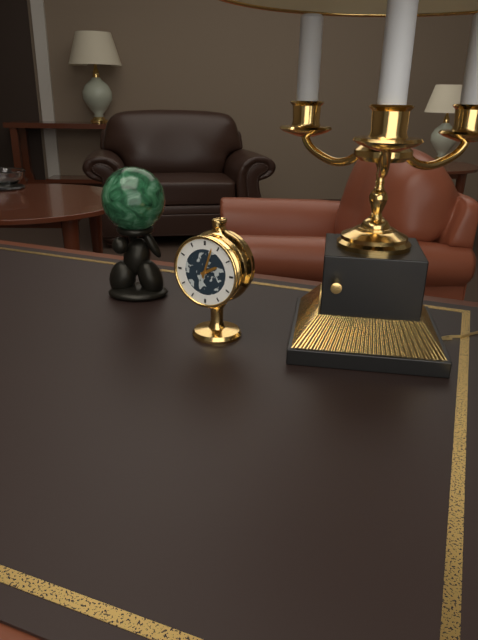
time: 2:03
